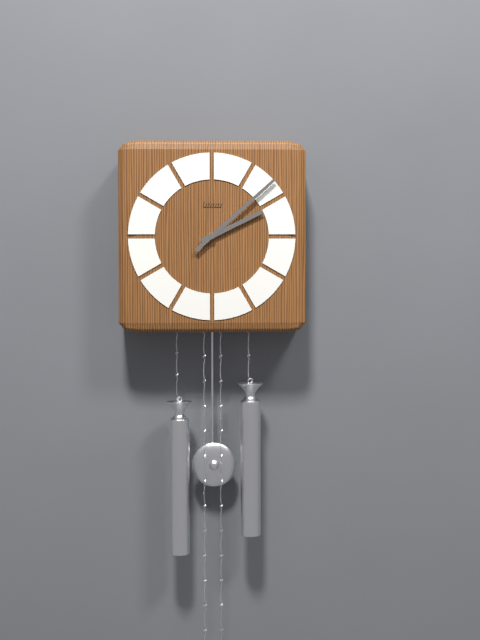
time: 2:08
